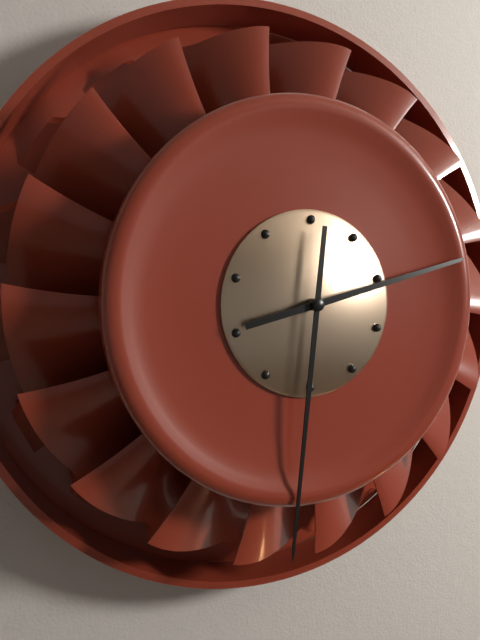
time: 2:31
